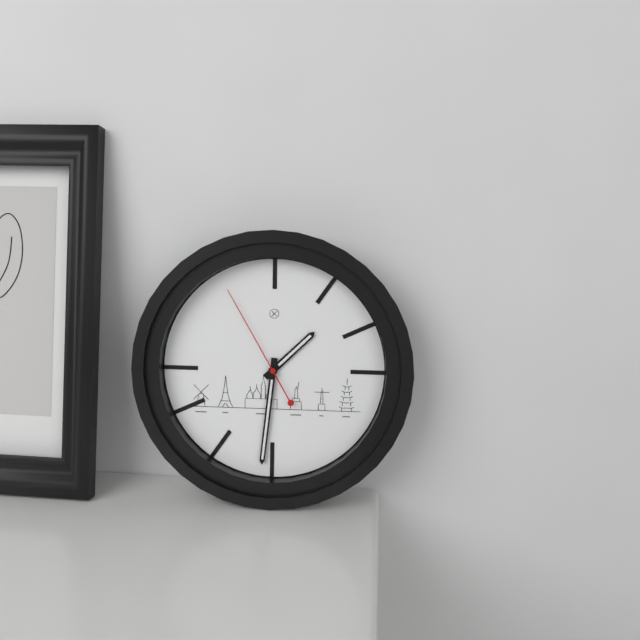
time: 1:31:55
